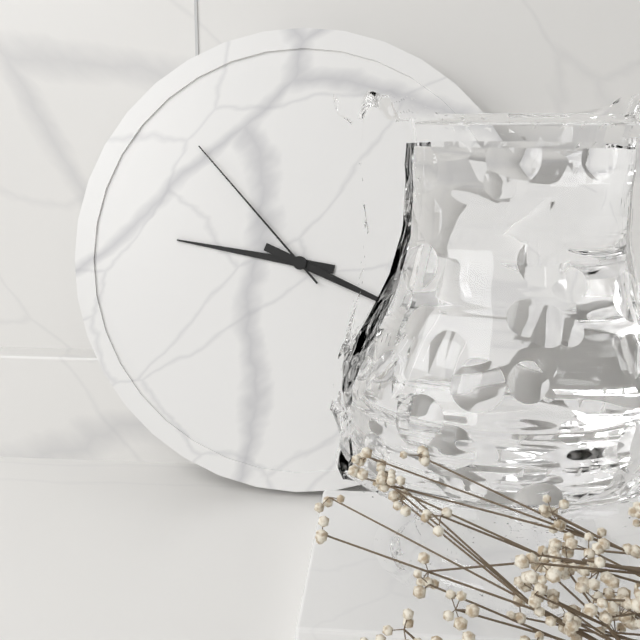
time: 9:19:53
